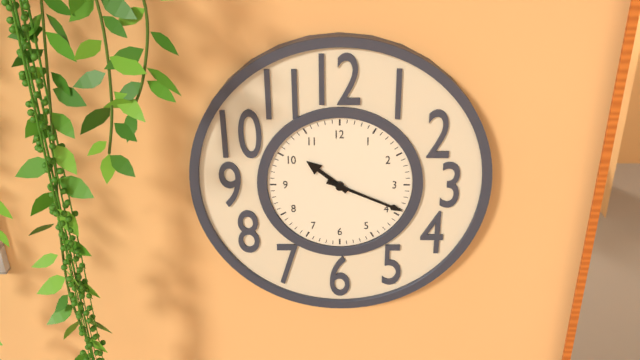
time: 10:19
